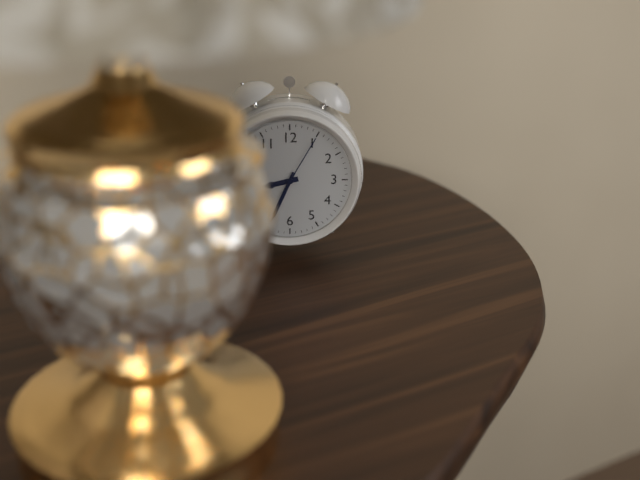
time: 8:34:05
